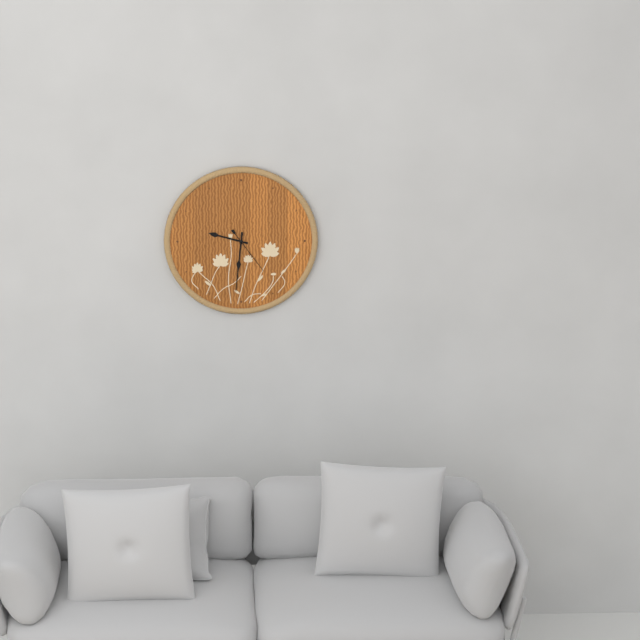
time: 9:31:24
